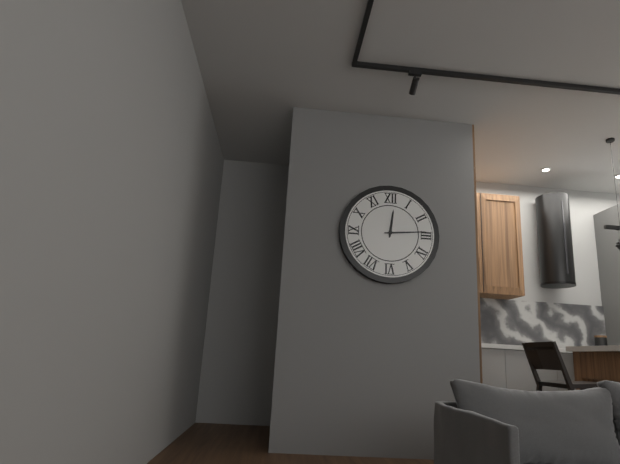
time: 12:14
